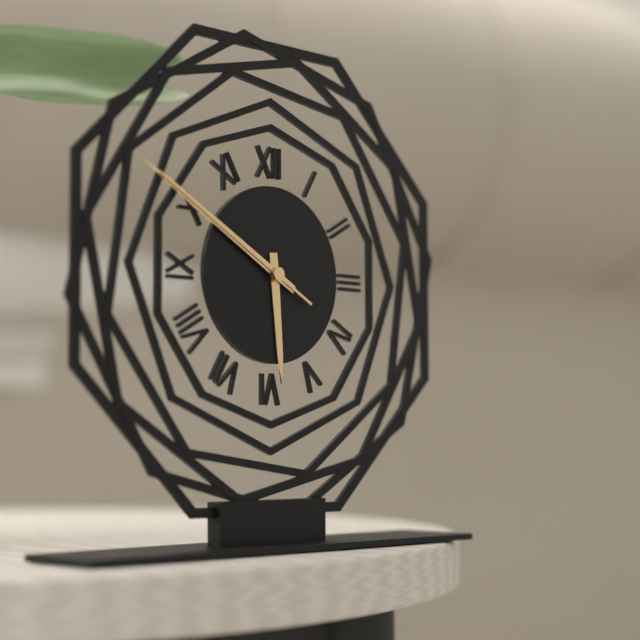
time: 5:50:50
